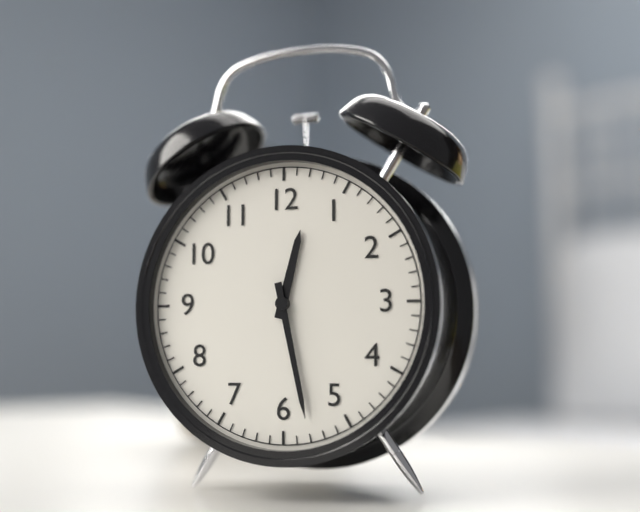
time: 12:28
